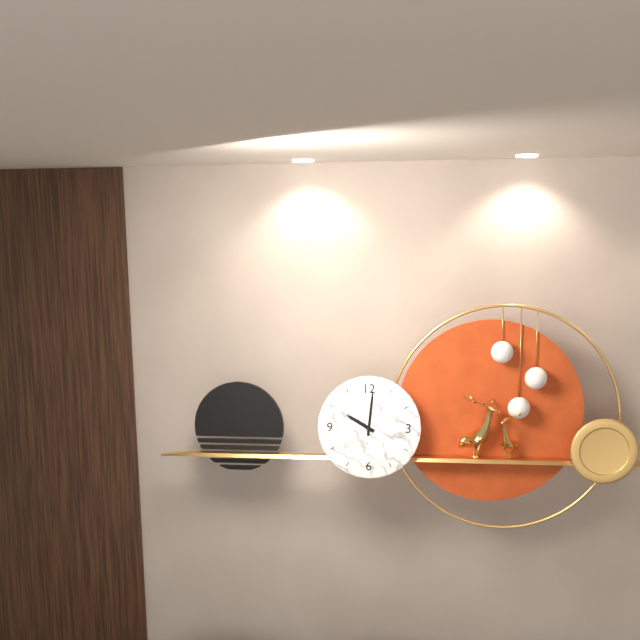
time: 10:01
